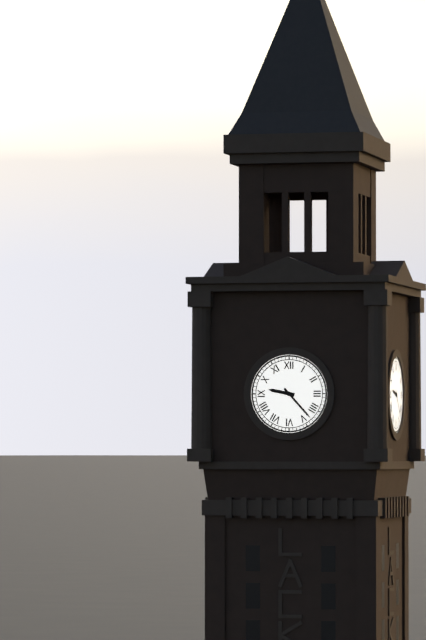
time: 9:23
